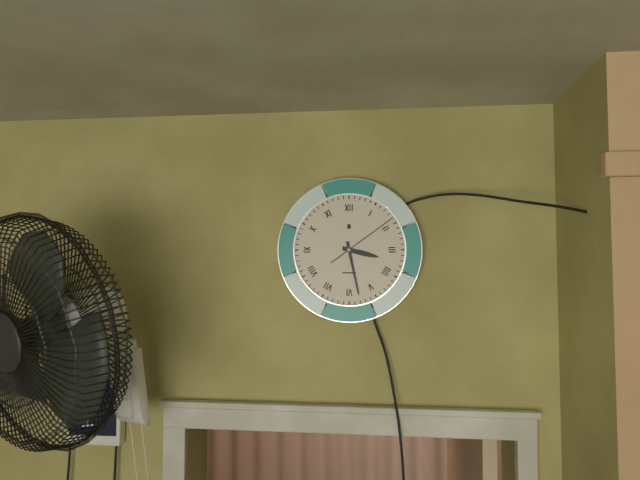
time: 3:28:09
